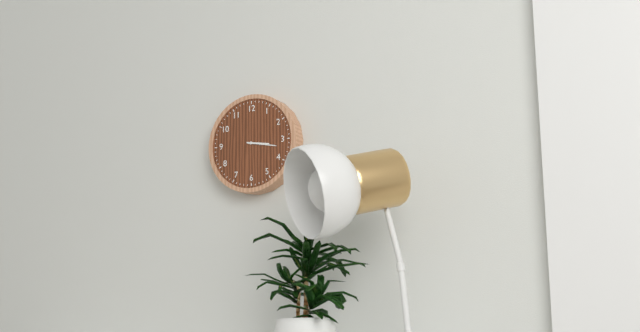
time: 3:17
